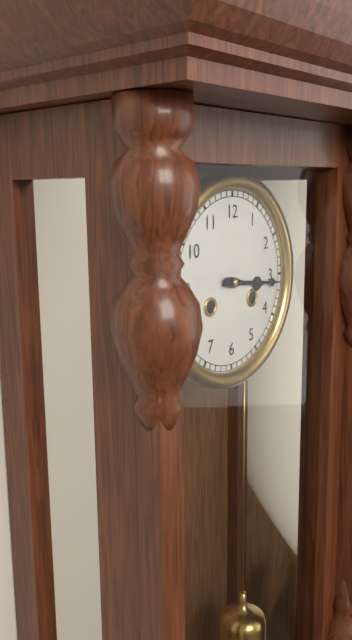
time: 3:16
